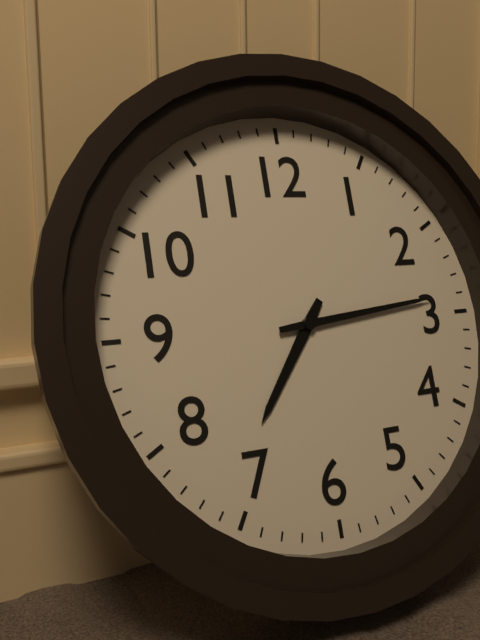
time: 7:14
